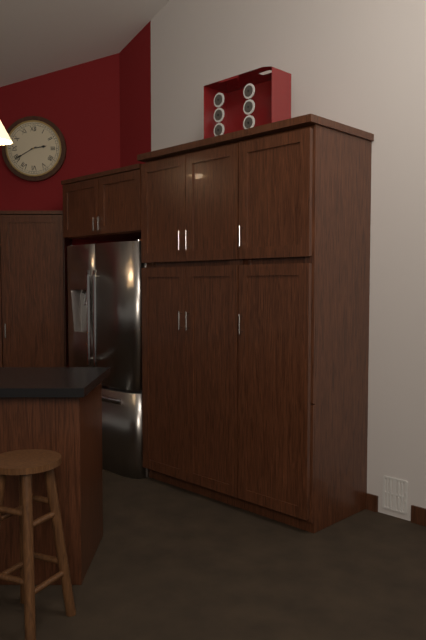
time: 2:40
